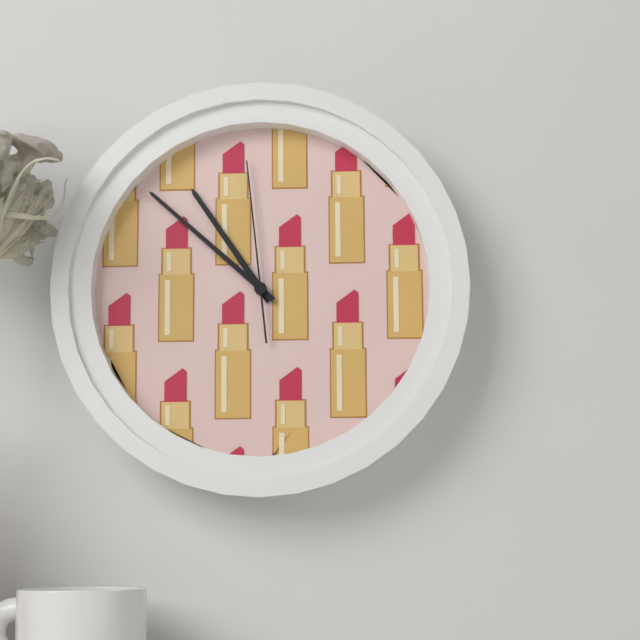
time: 10:52:59
